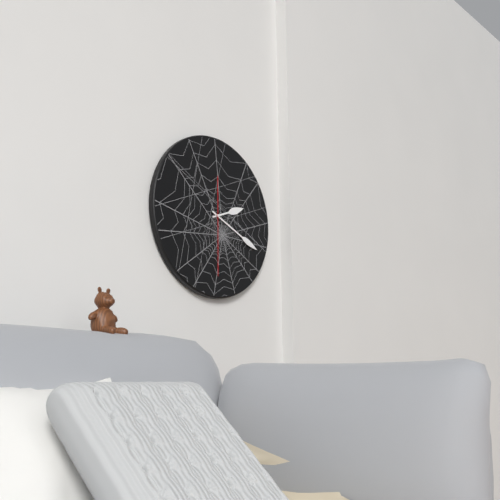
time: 2:19:30
